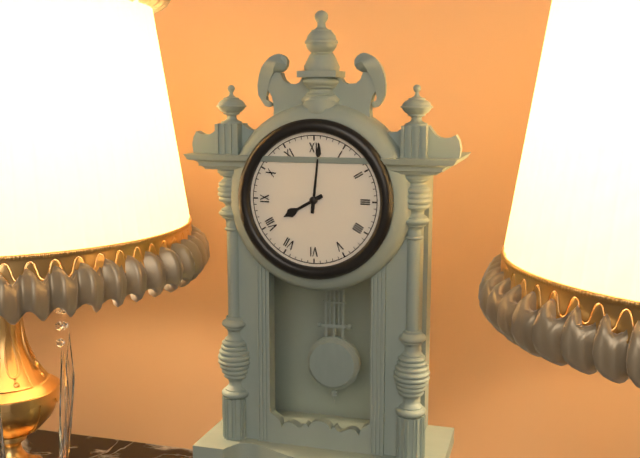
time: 8:01
